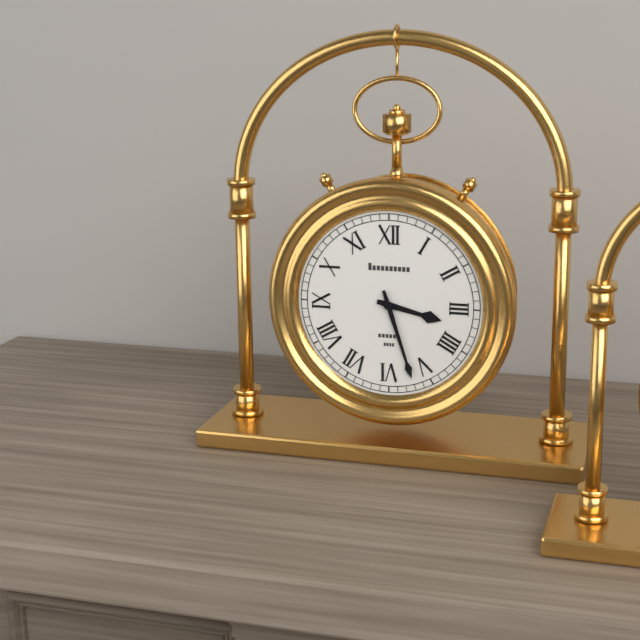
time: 3:27
